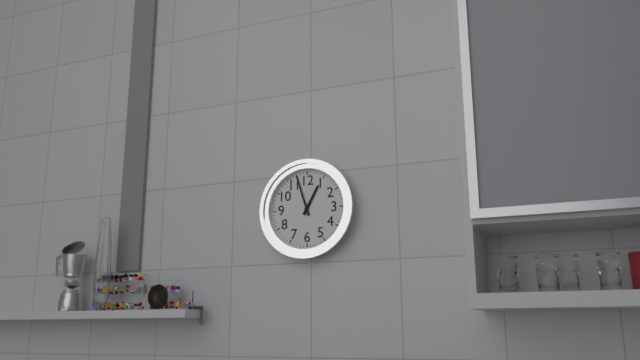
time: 12:57
